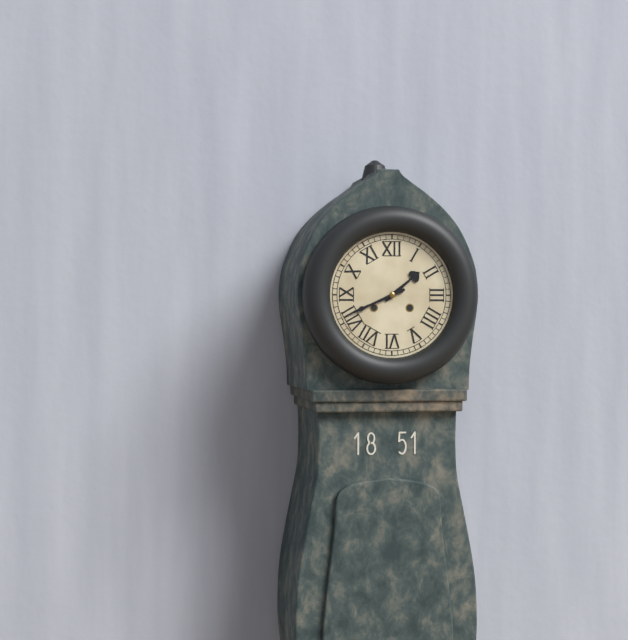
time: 1:41
